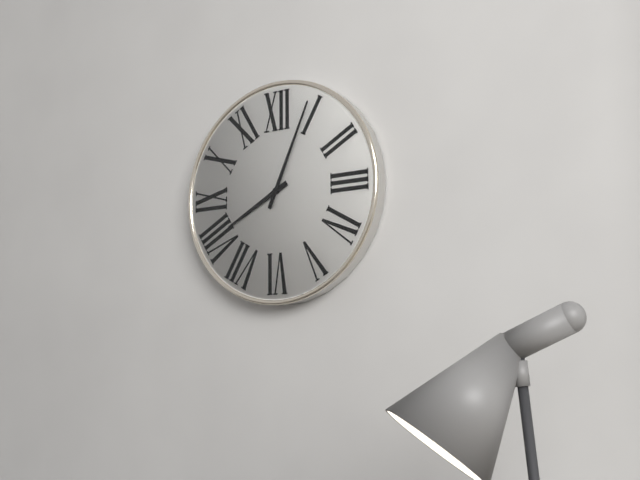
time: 8:04
